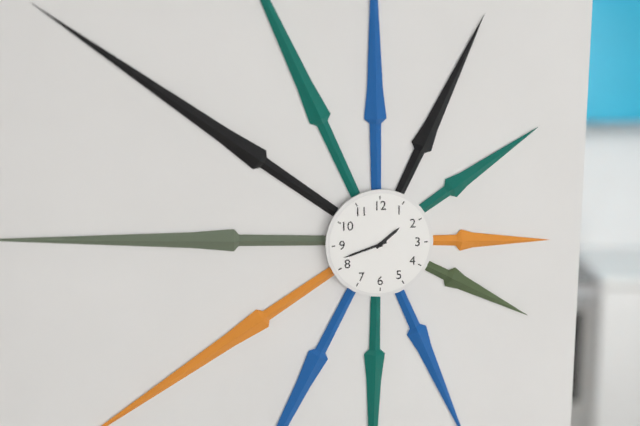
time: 1:42
